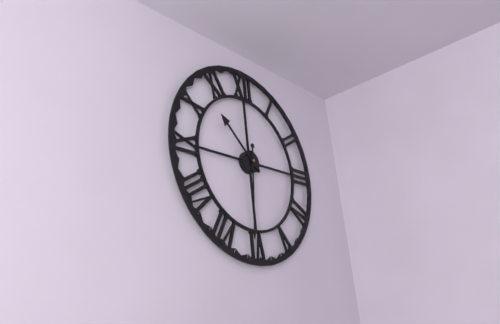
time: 10:31
